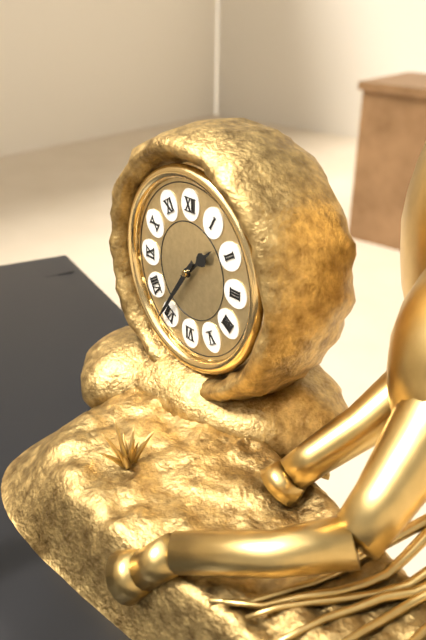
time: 1:36
